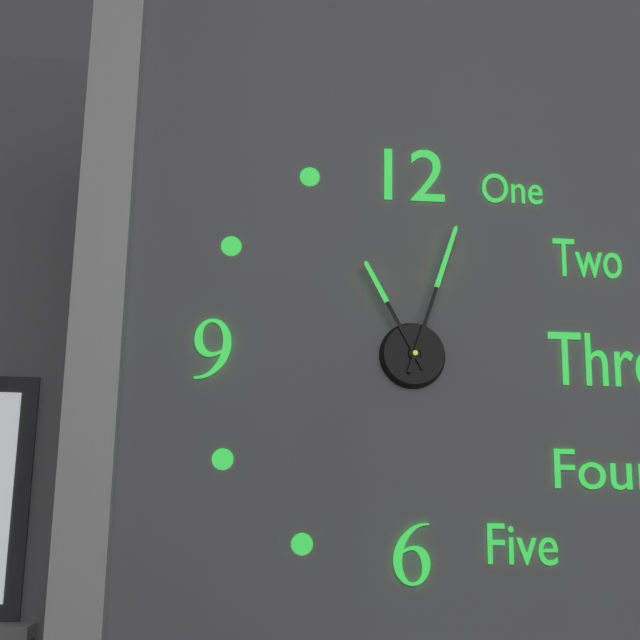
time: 11:03
